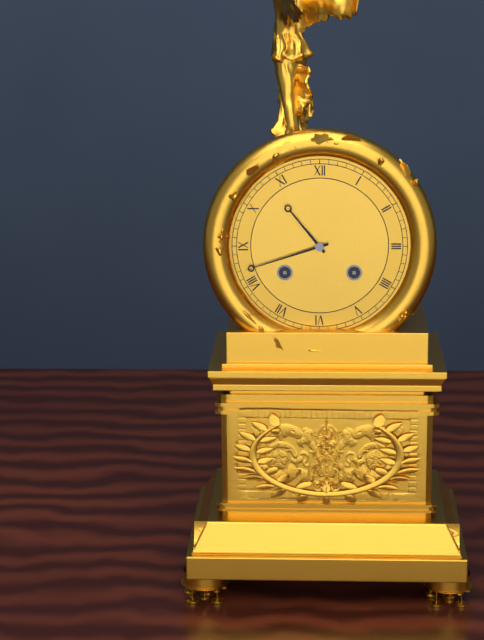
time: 10:42
